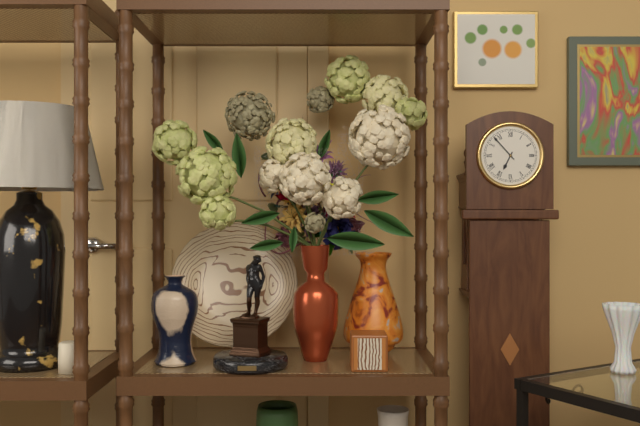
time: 6:53
